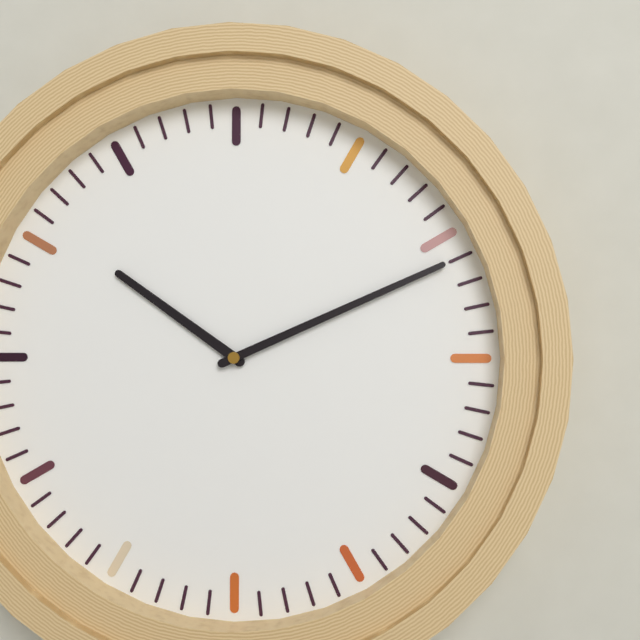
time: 10:11
